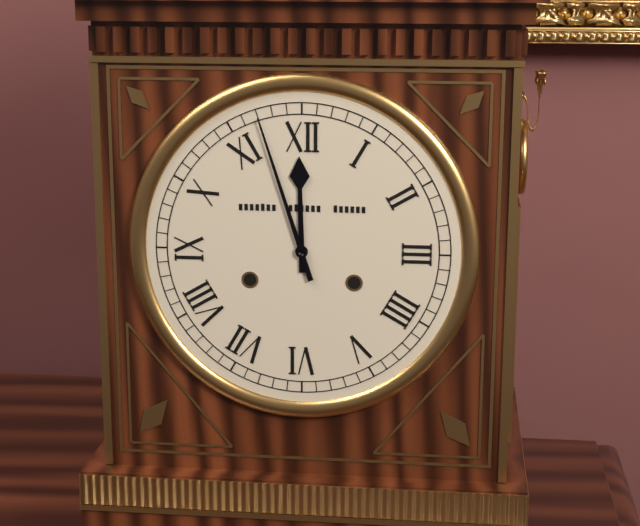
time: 11:57
